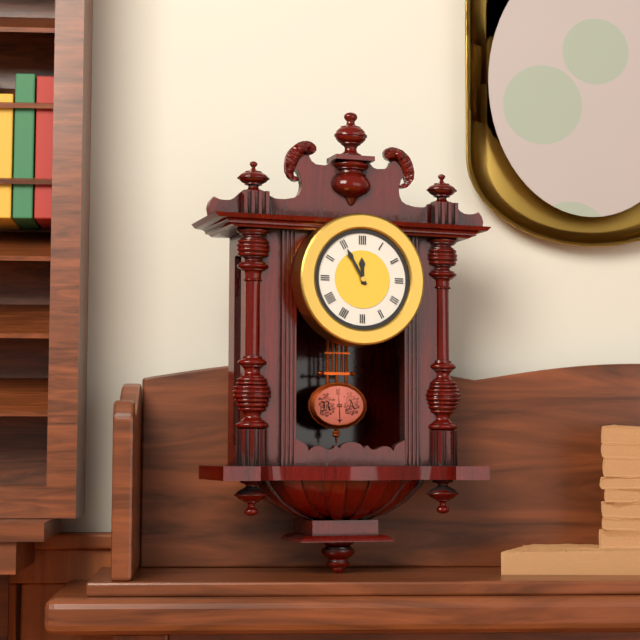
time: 11:55
